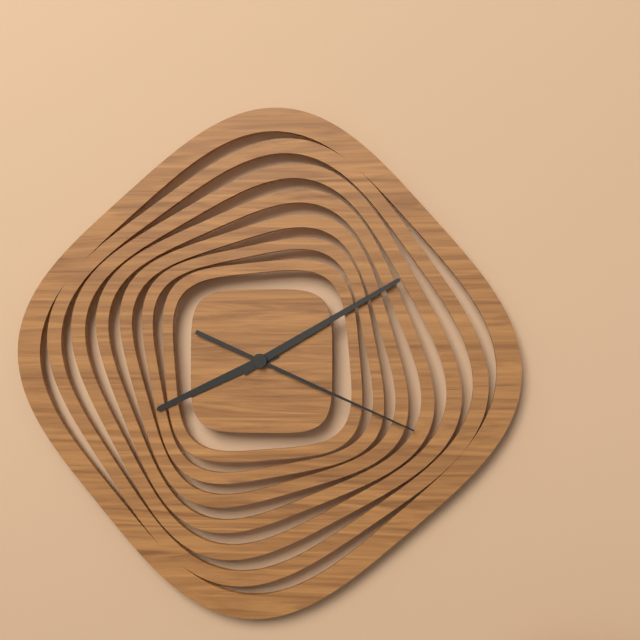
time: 8:10:19
